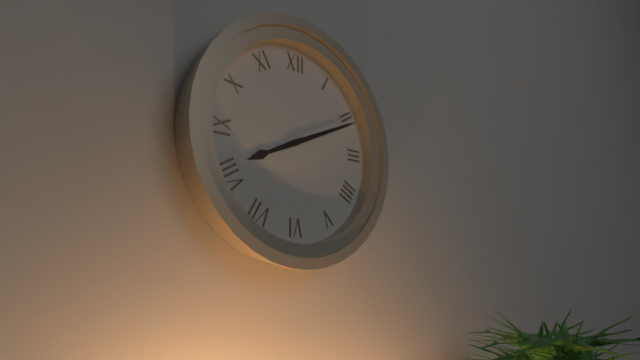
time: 8:11
